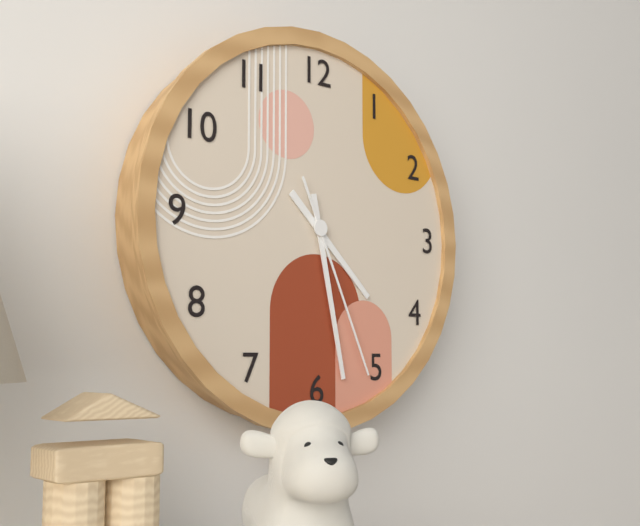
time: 4:28:26
